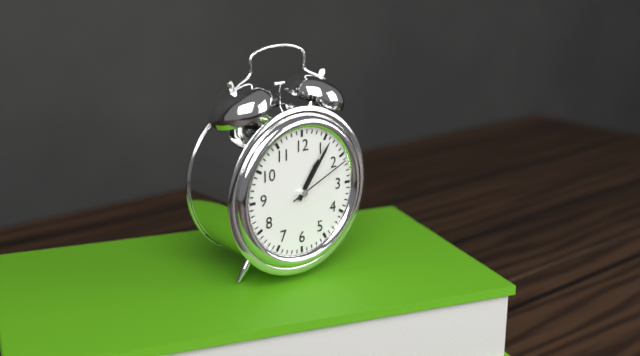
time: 1:06:11
